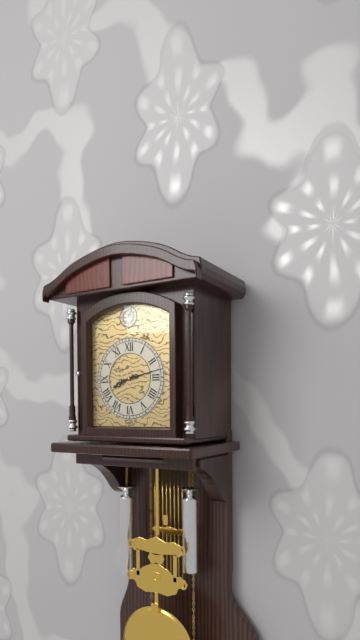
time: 8:13
